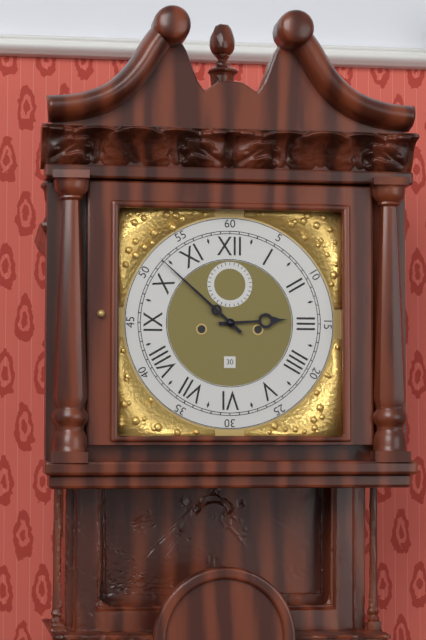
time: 2:52
